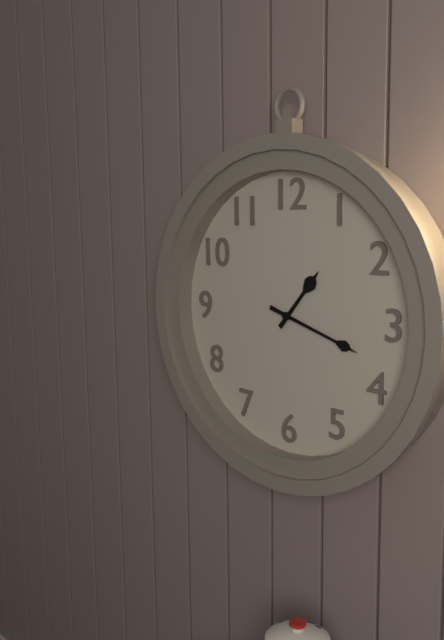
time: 1:18
